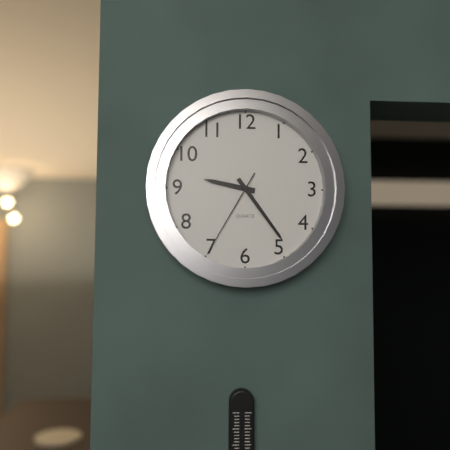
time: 9:24:35
